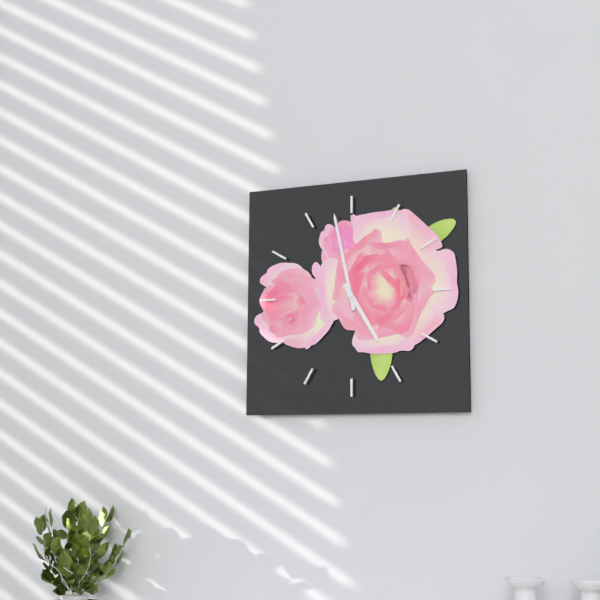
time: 4:58
